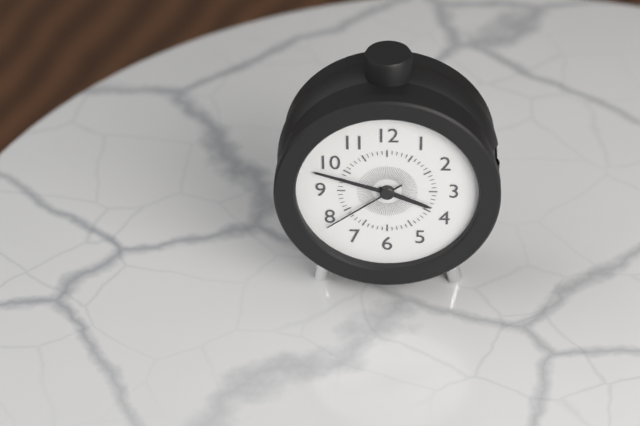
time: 3:48:39
